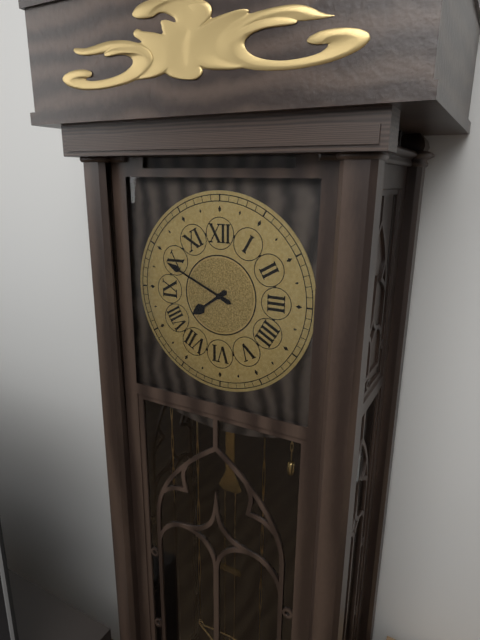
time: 7:49
